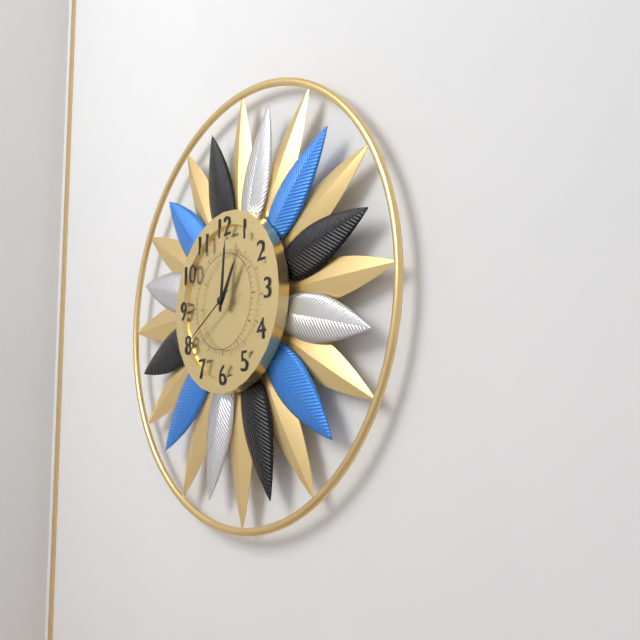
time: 1:01:40
